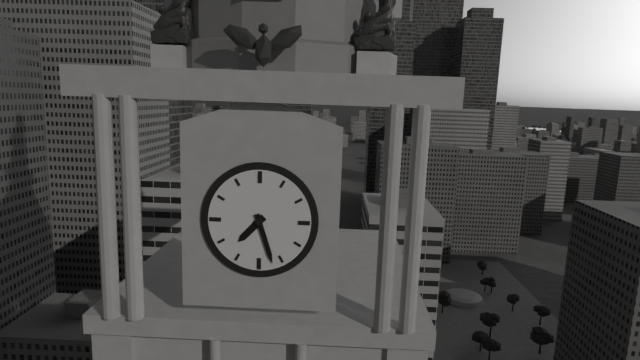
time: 7:27
